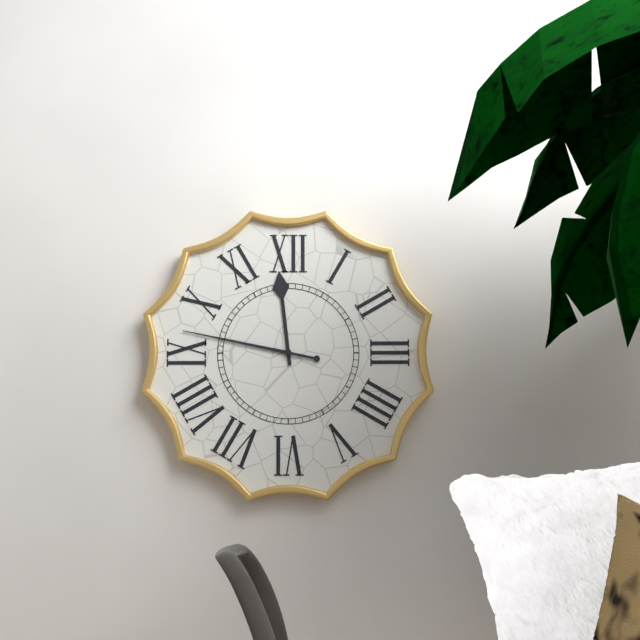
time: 11:47
